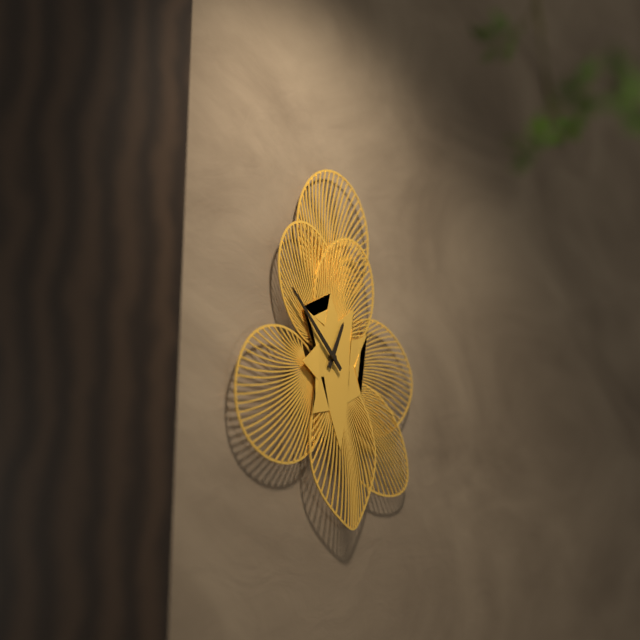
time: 12:52
